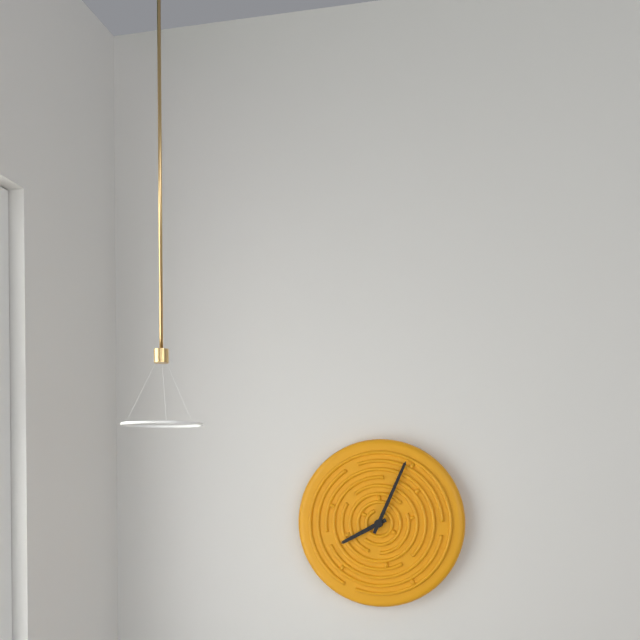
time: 8:04
